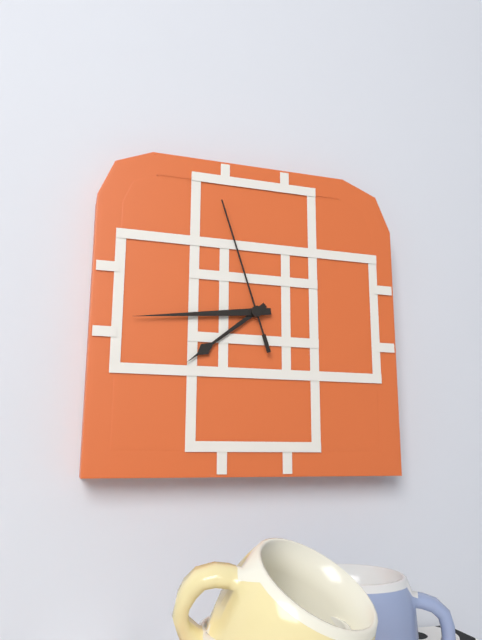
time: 7:44:57
